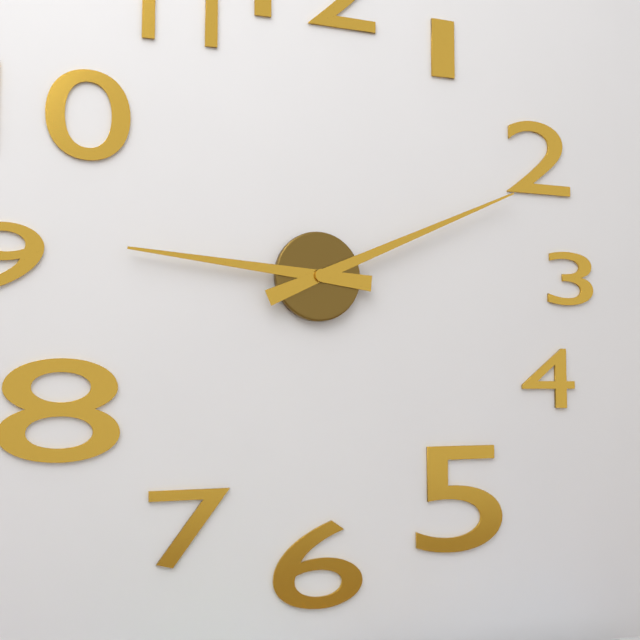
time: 9:11
